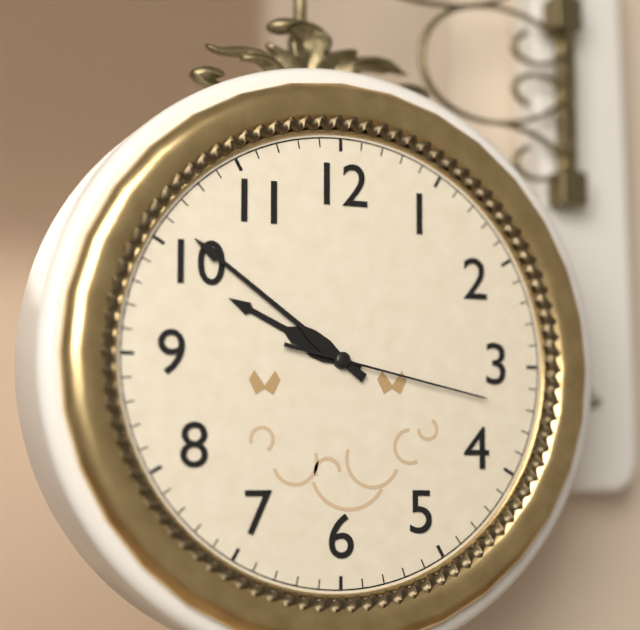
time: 9:51:17
